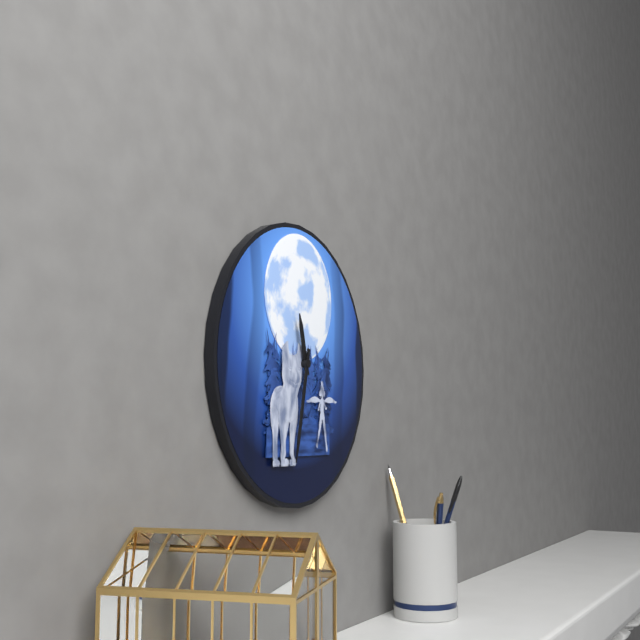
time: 11:32
